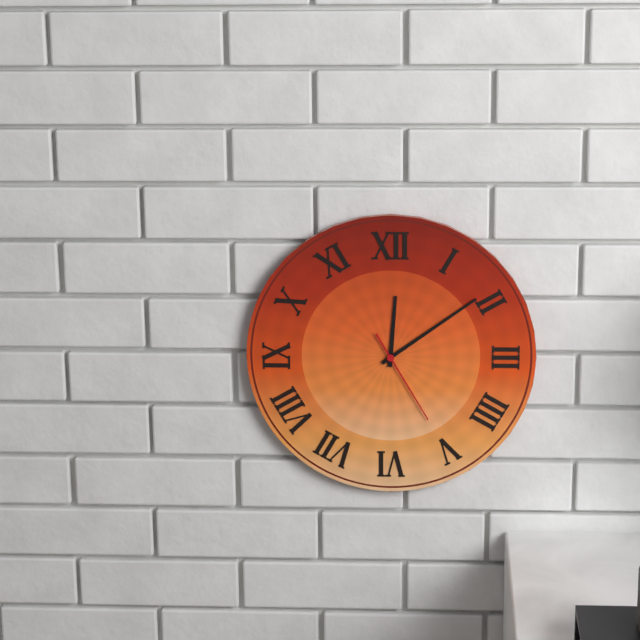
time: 12:09:25
